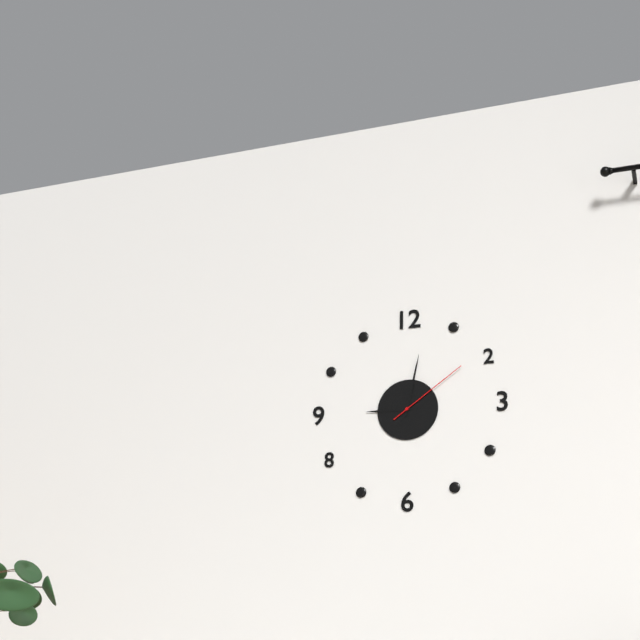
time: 9:02:09
